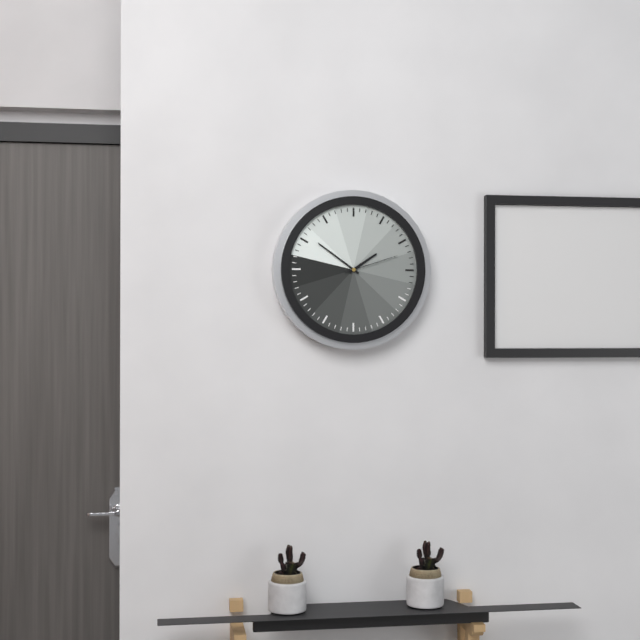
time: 1:51:12
